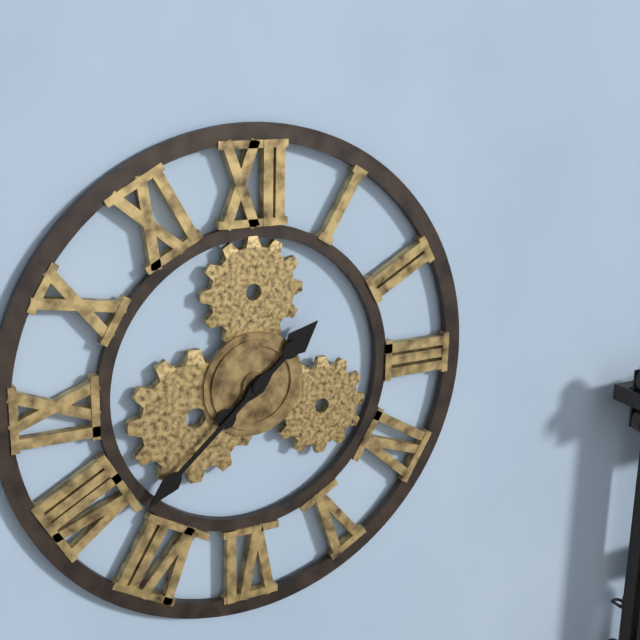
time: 1:38
